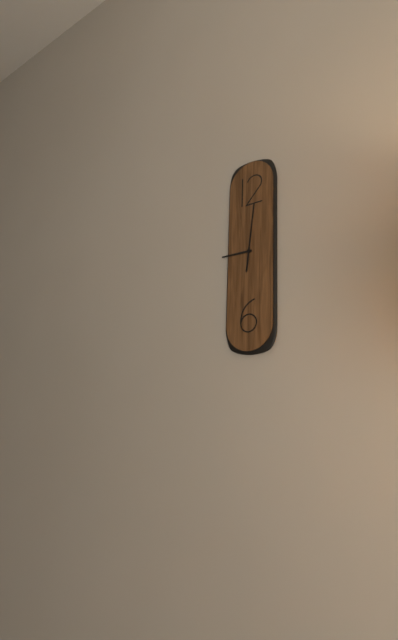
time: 9:01
